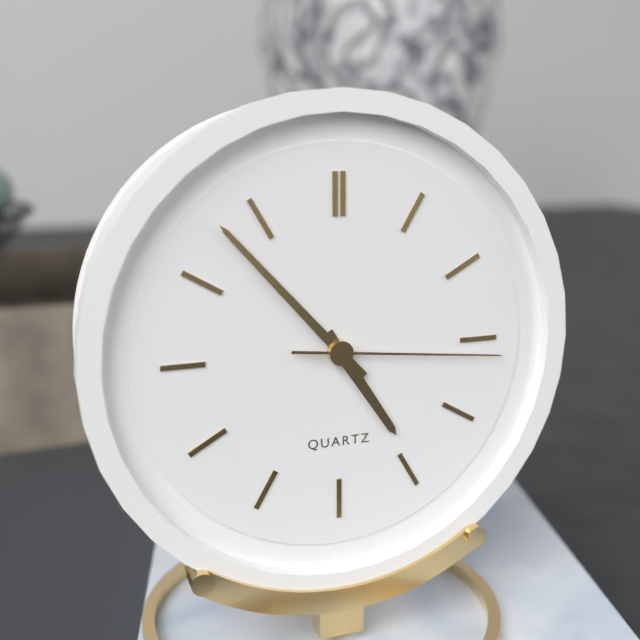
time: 4:53:16
